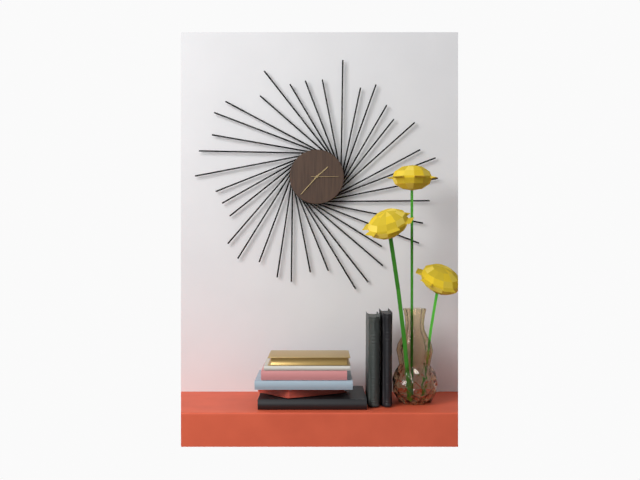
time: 1:37
